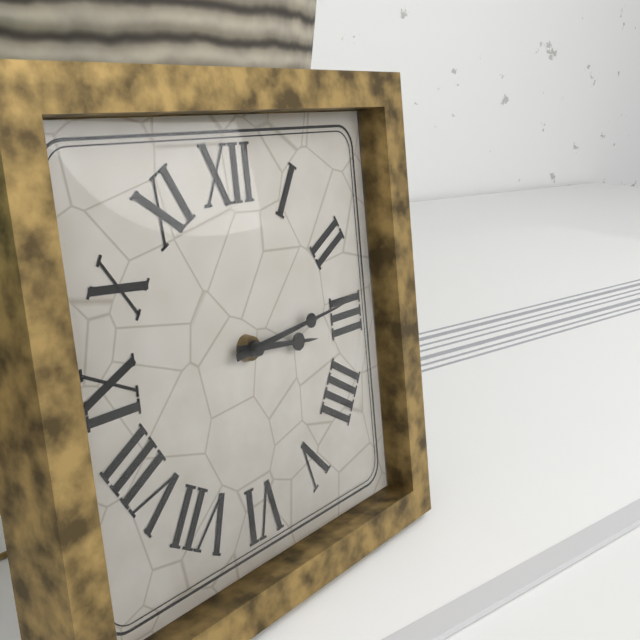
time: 3:14
